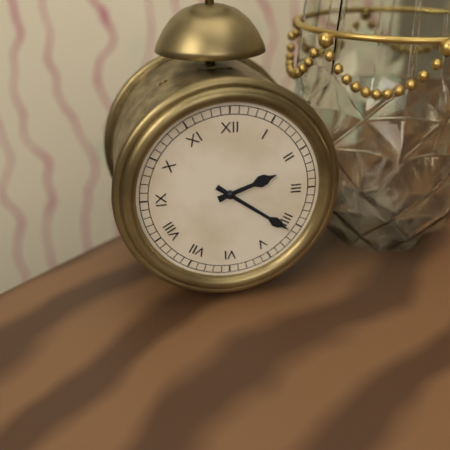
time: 2:21
